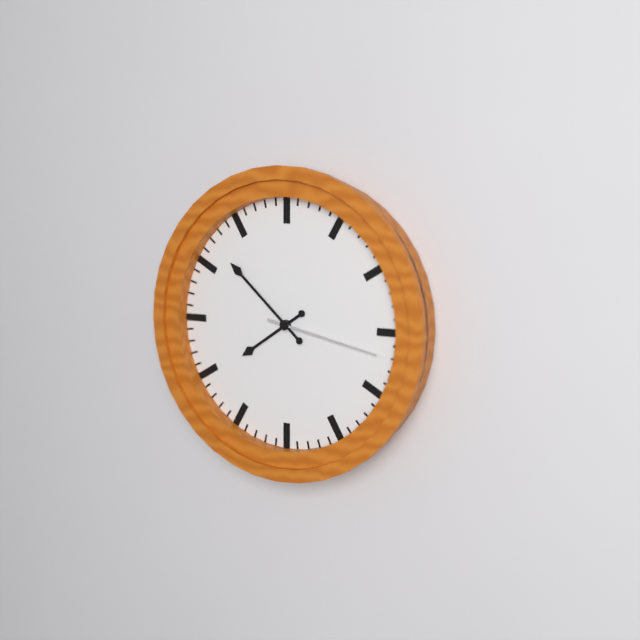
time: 7:52:17
